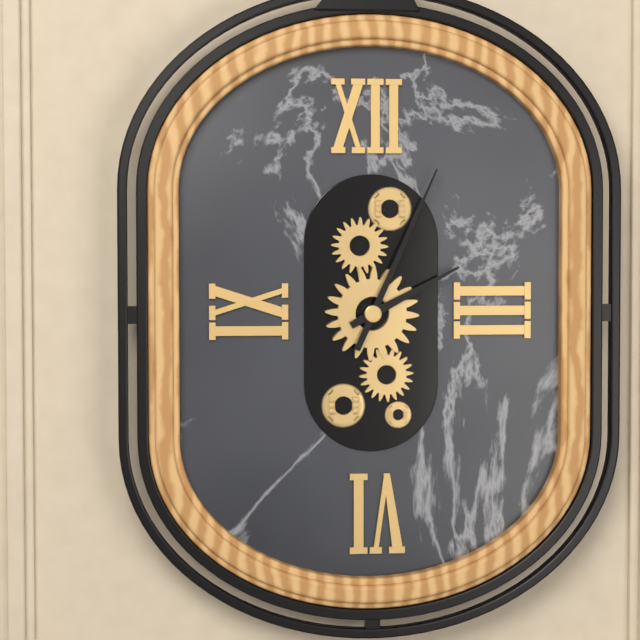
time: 2:04
